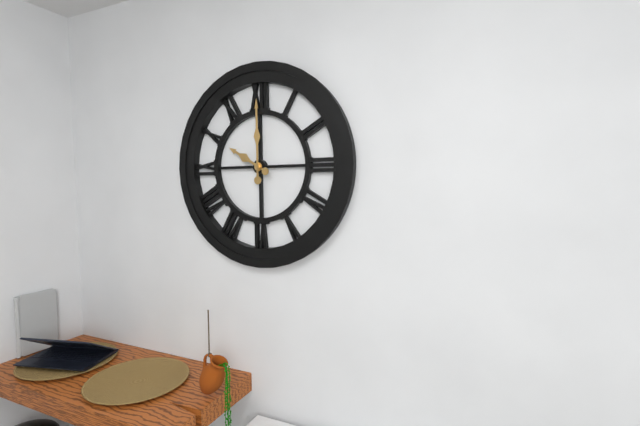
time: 10:00
